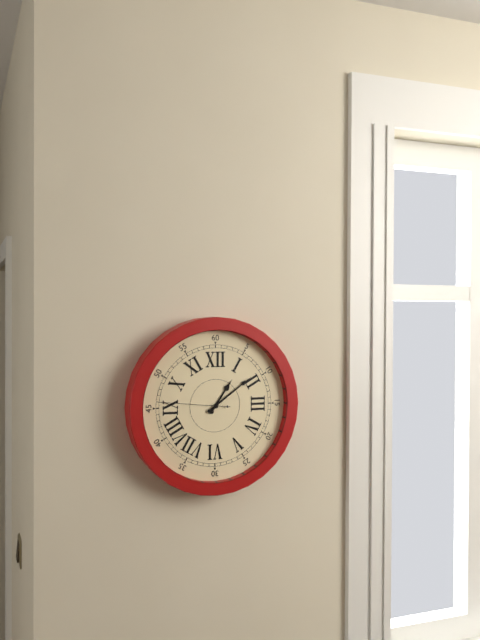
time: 1:09:46
